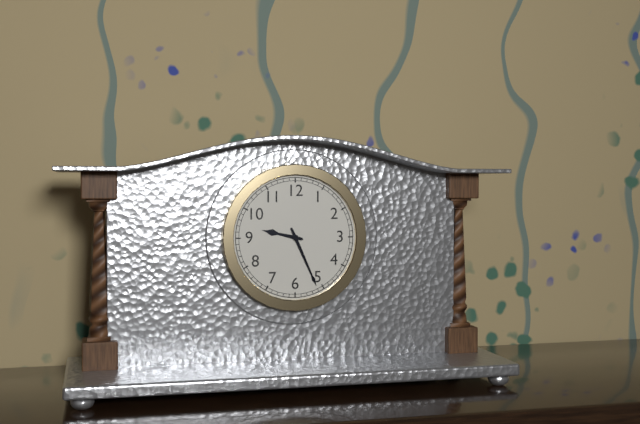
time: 9:26
